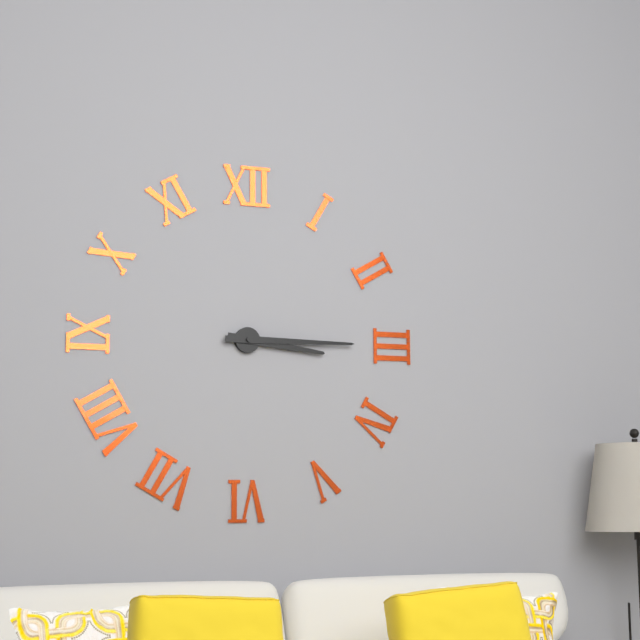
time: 3:15
